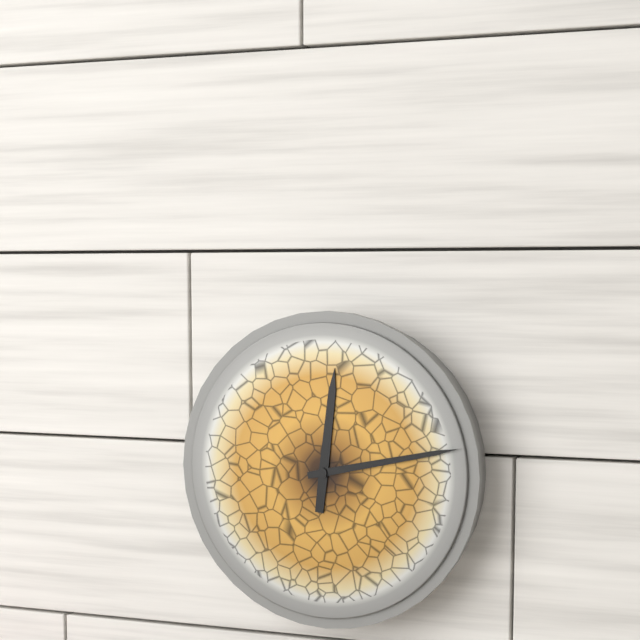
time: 12:13
